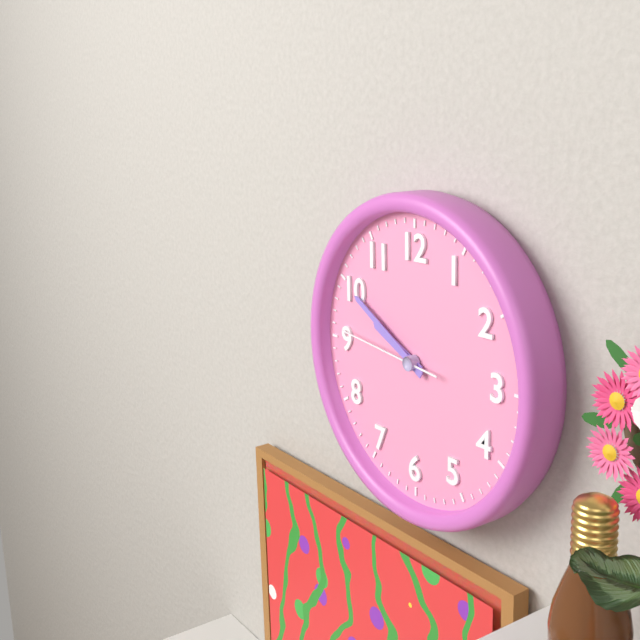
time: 9:50:46
